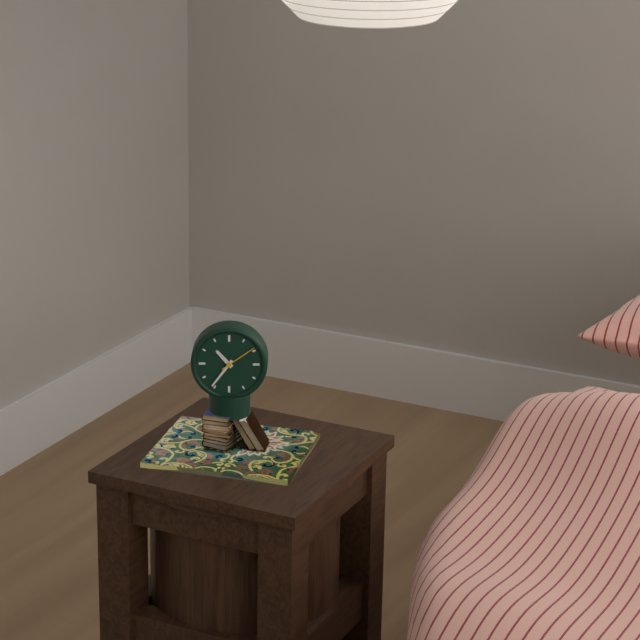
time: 10:36
